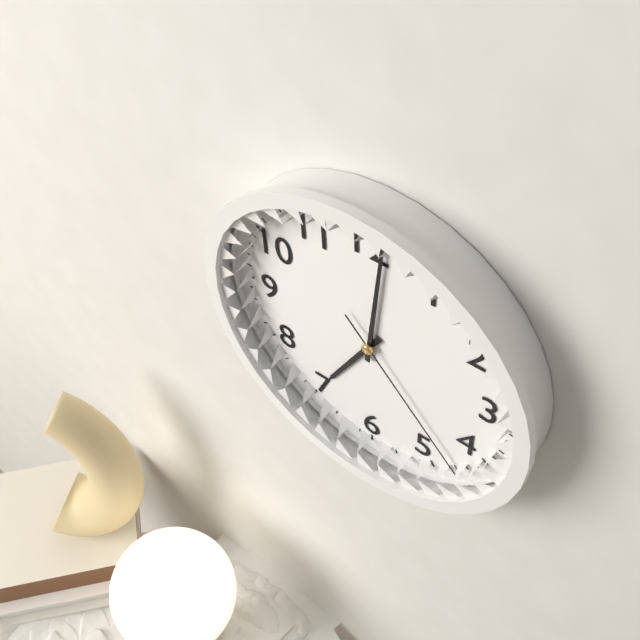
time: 7:01:23
